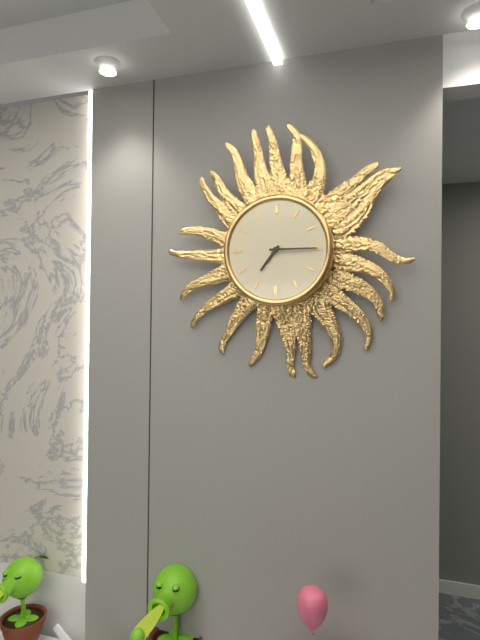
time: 7:15
